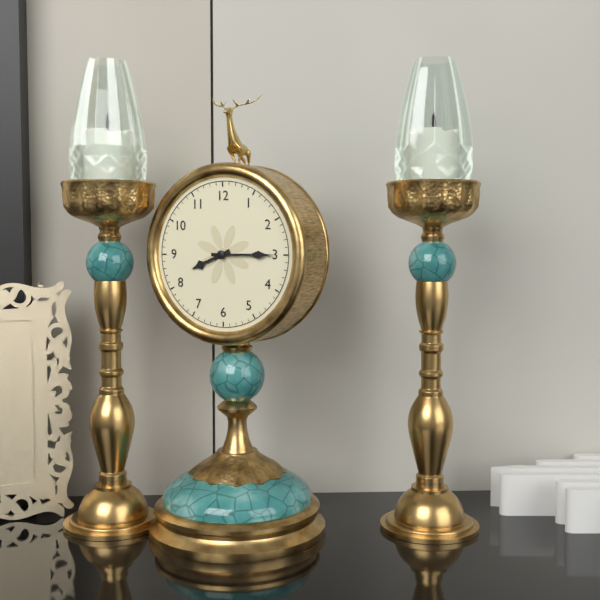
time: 8:15
